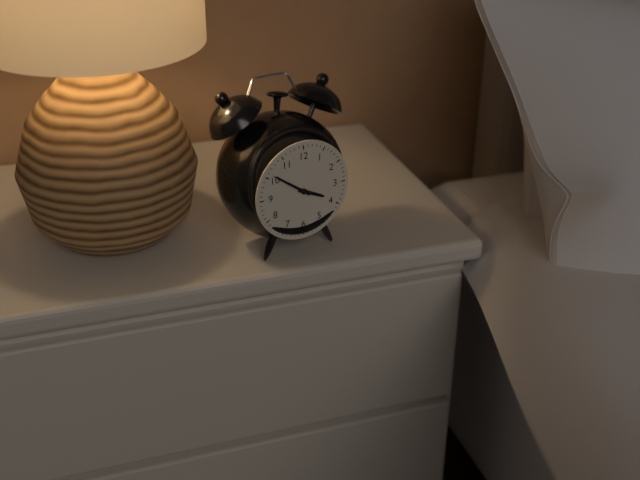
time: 3:51
